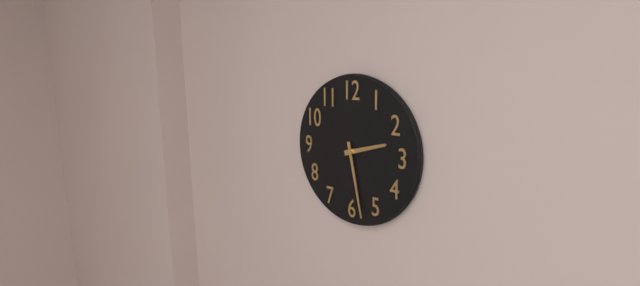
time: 2:28
